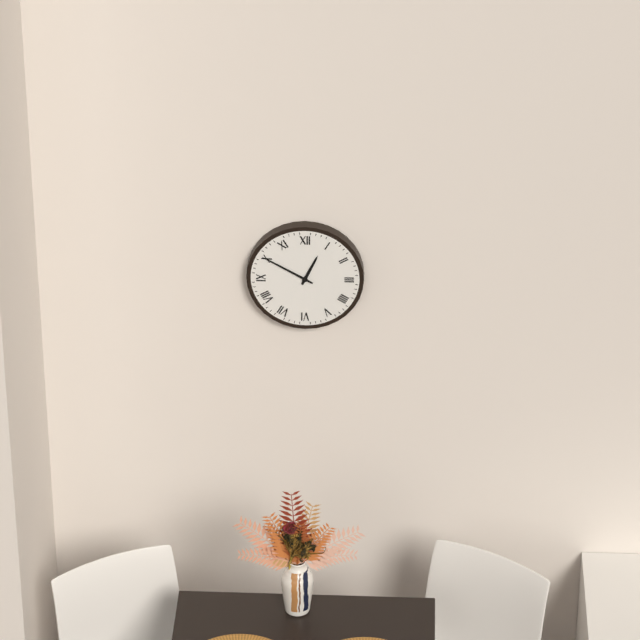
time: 12:50
